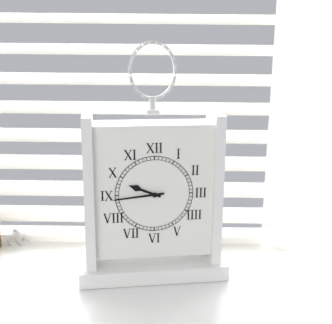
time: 9:44
